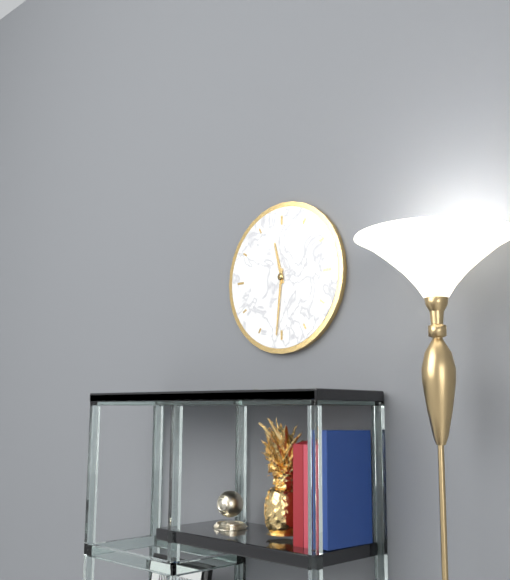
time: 11:31
